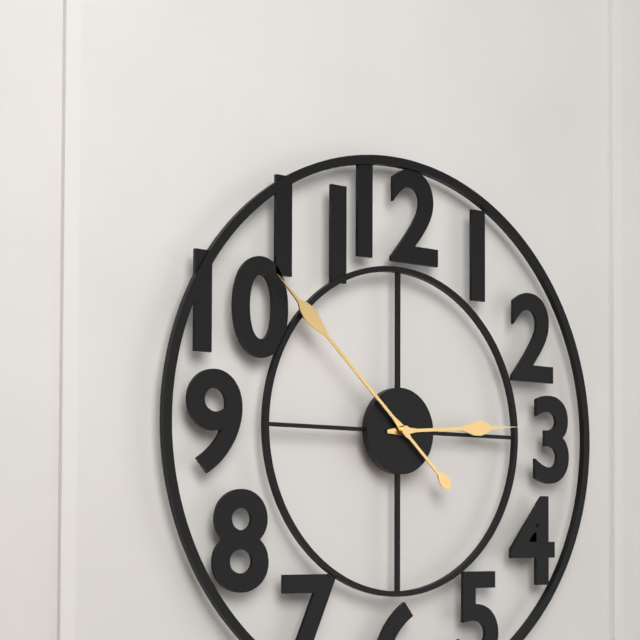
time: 2:52
